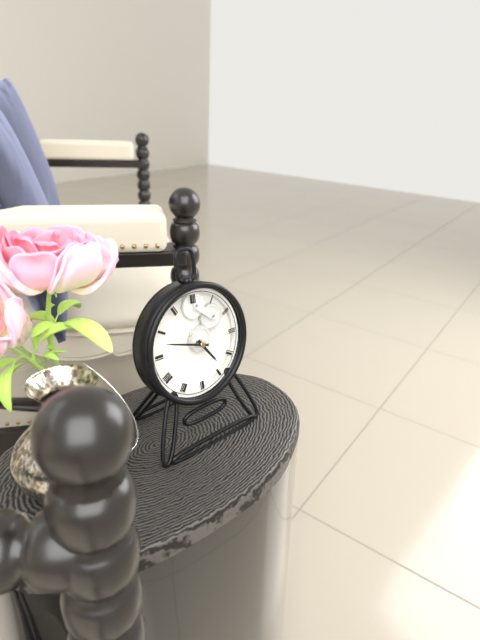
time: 4:48
